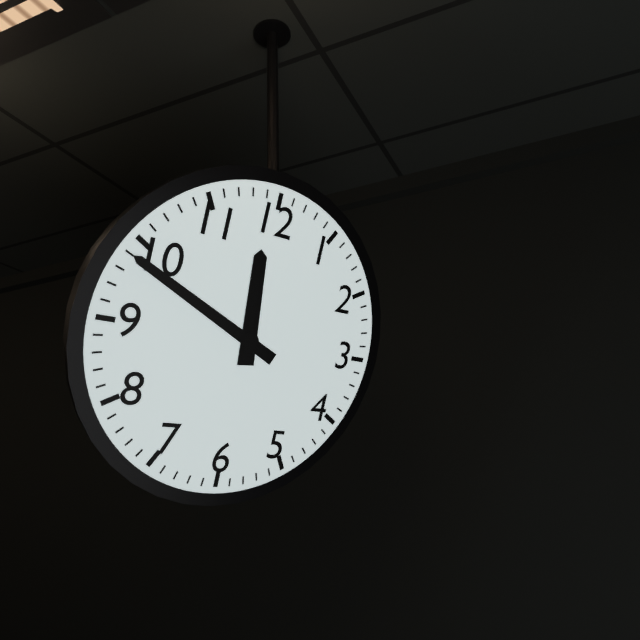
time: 11:49
